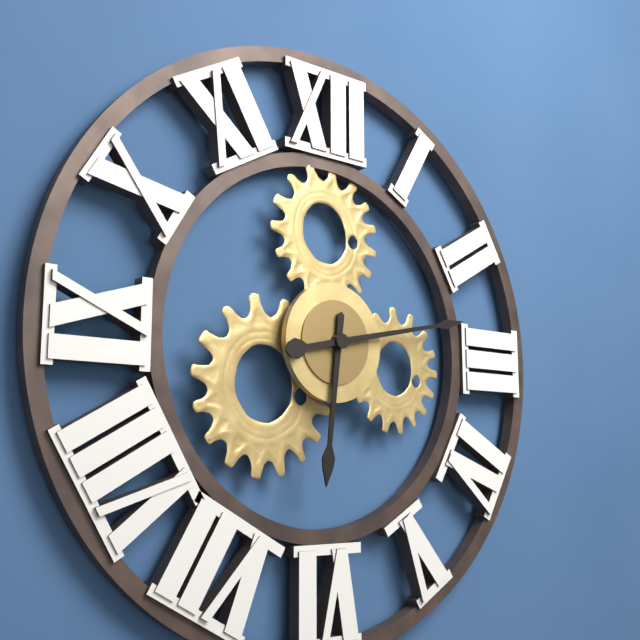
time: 6:13
